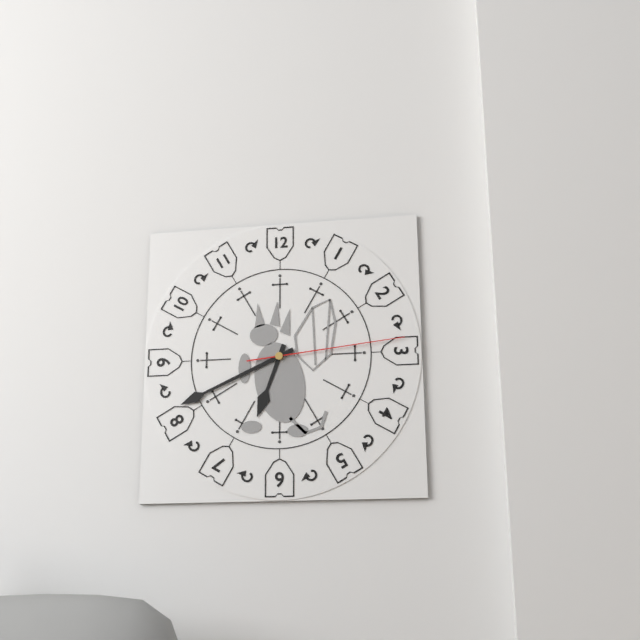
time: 6:41:14
